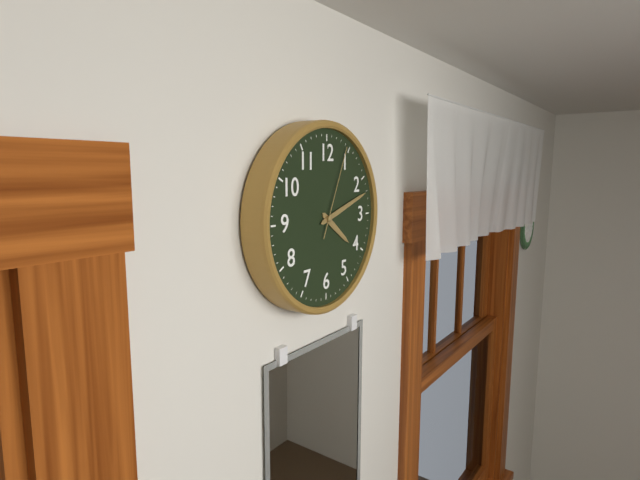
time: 4:12:04
